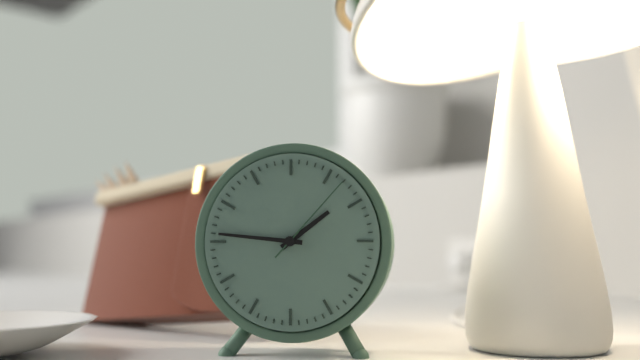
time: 1:46:07
